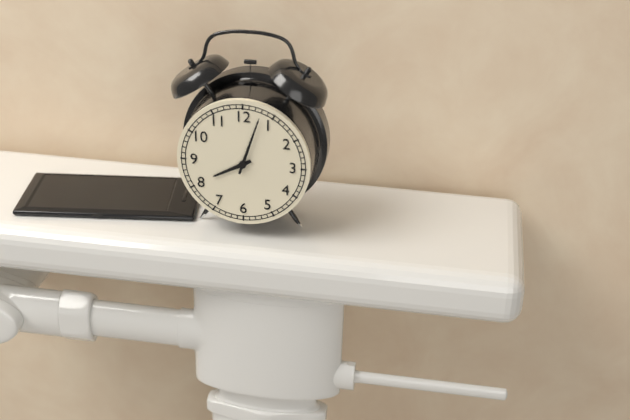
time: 8:03
